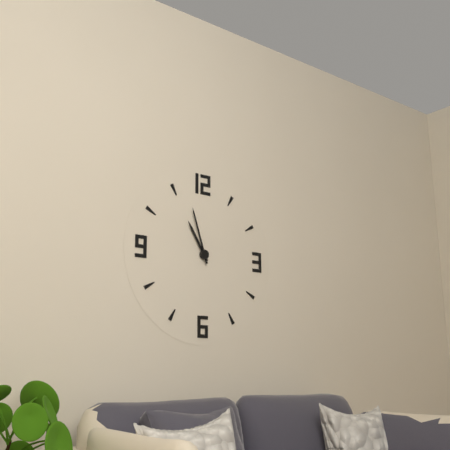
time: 10:57
